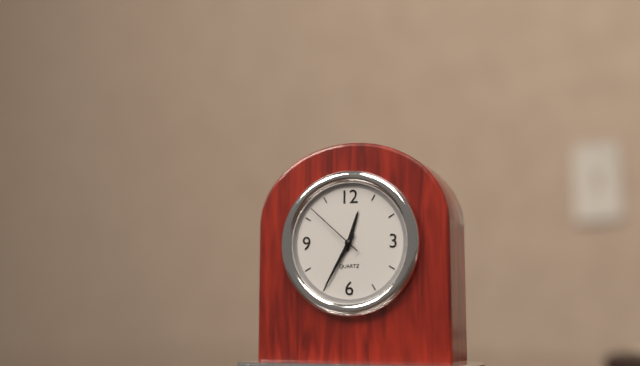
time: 12:35:52
